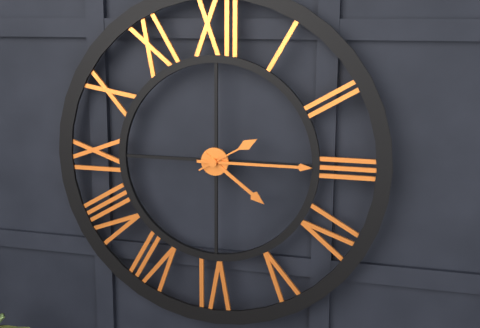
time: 4:15:10
